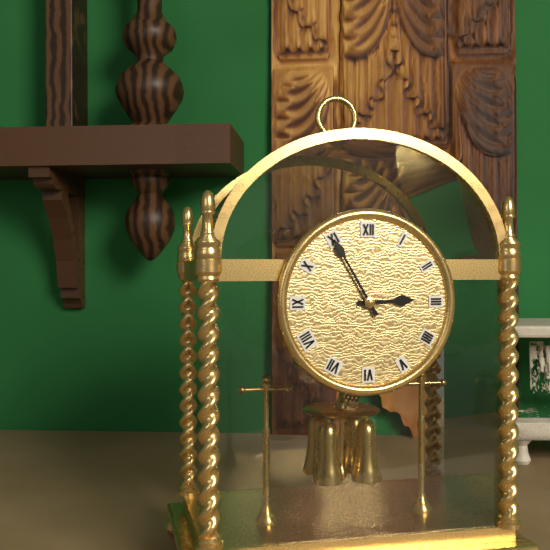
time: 2:55
